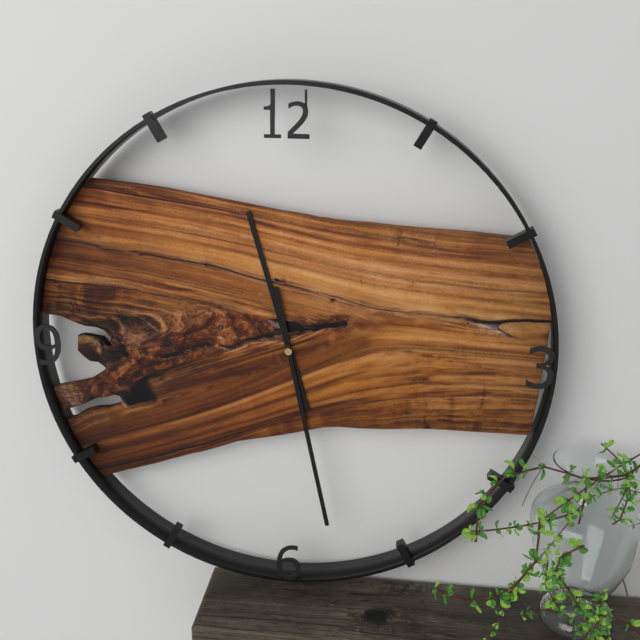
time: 11:28
